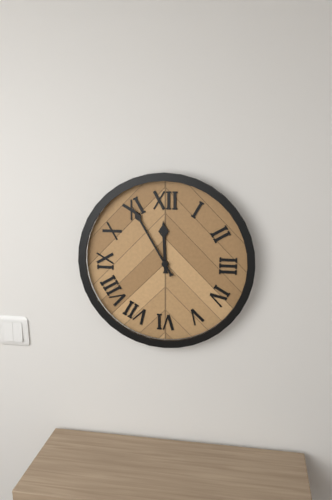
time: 11:55
